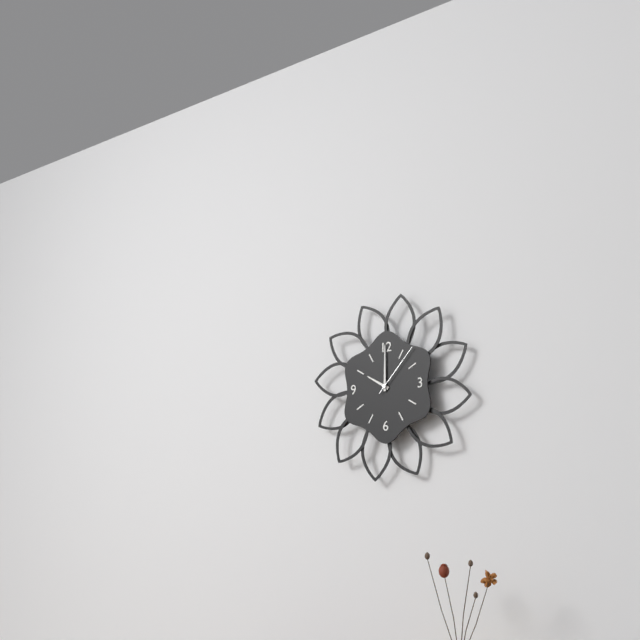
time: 10:00:07
